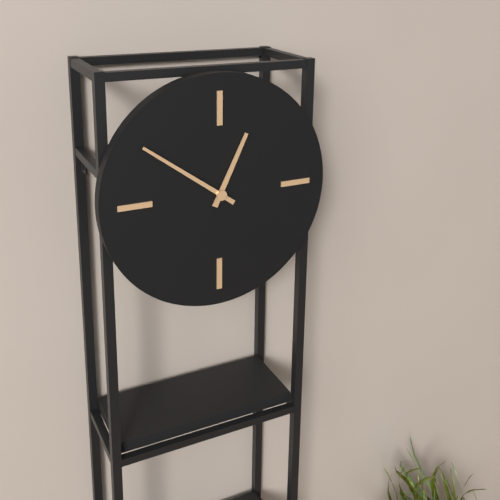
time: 12:51
